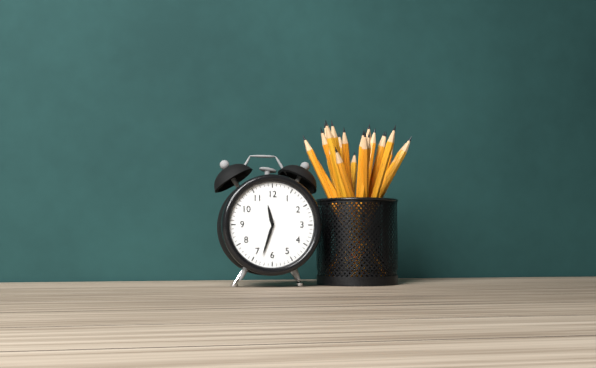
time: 11:33
